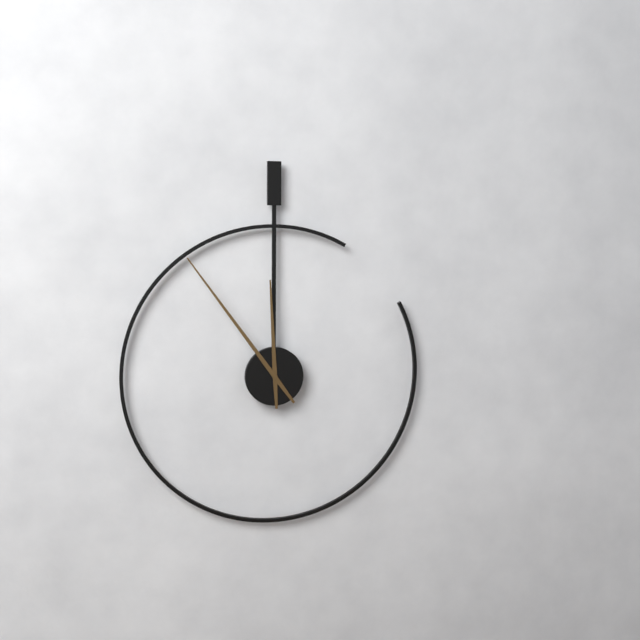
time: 11:54
